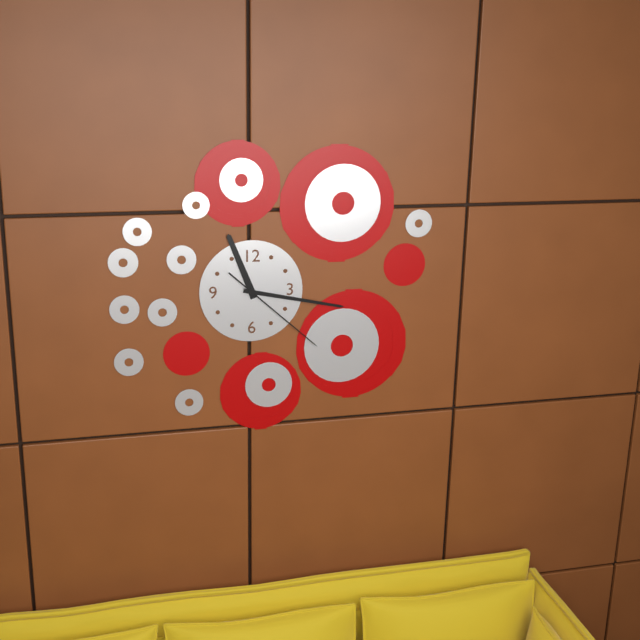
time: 11:17:22
